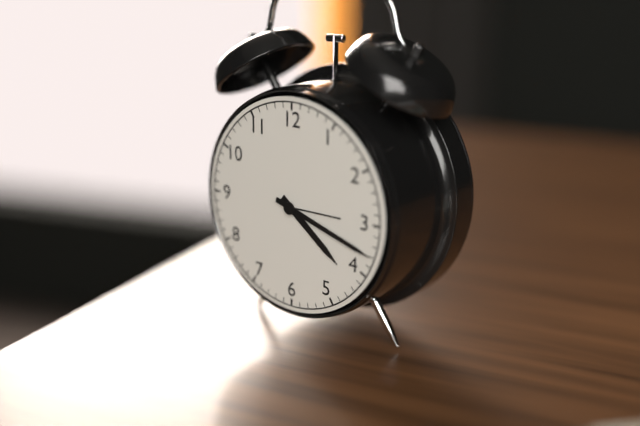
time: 4:18
